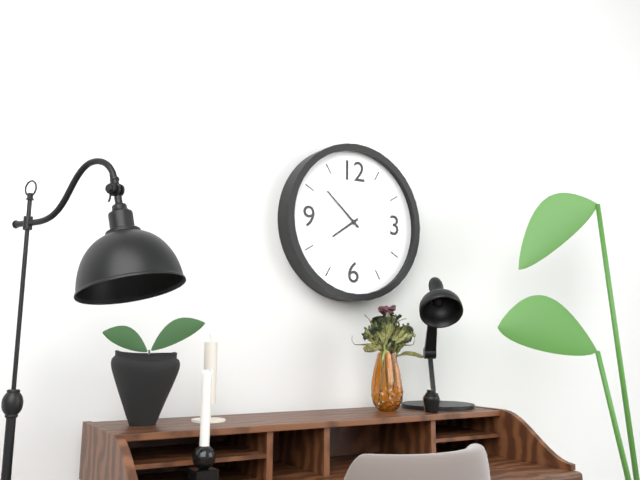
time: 7:52
